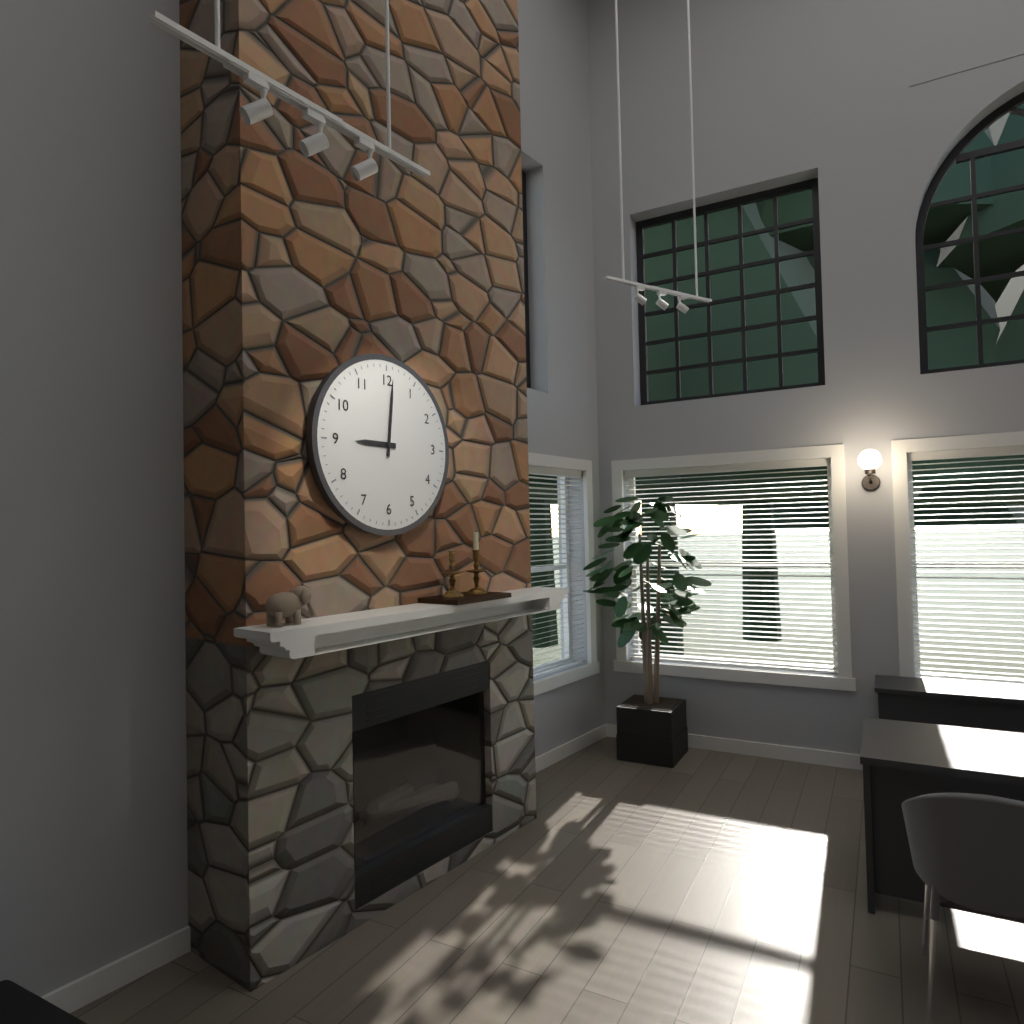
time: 9:01
